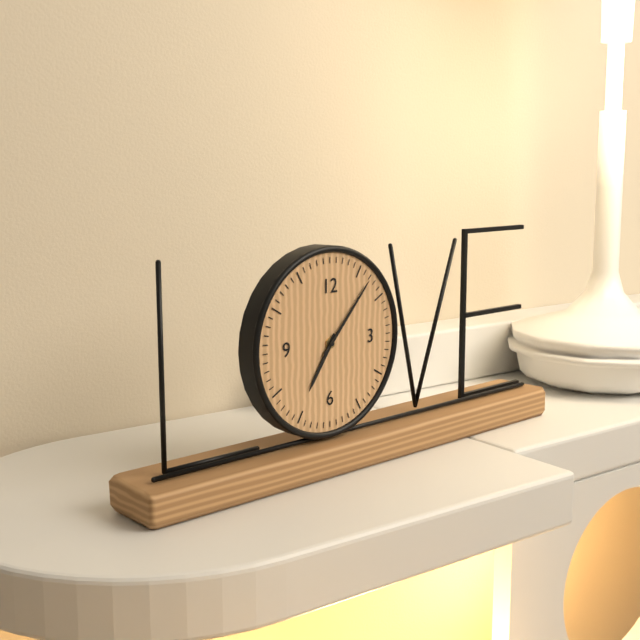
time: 7:07
